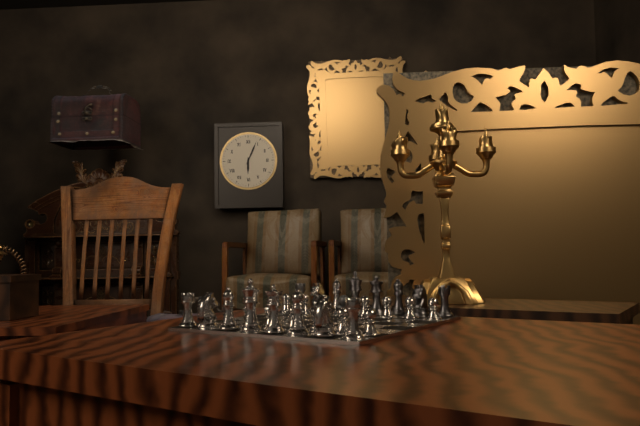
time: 6:04
